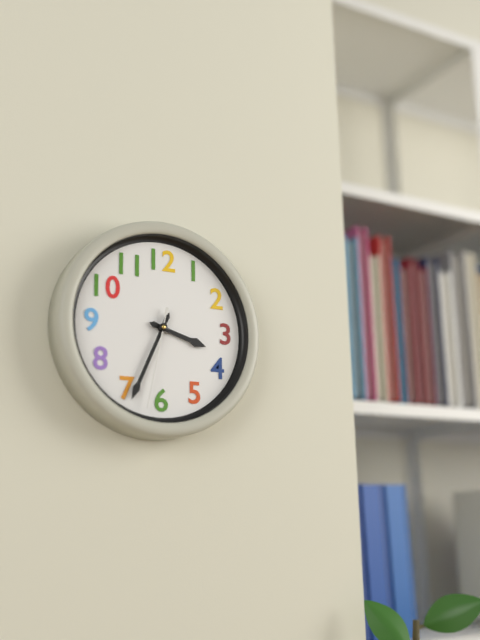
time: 3:34:32
